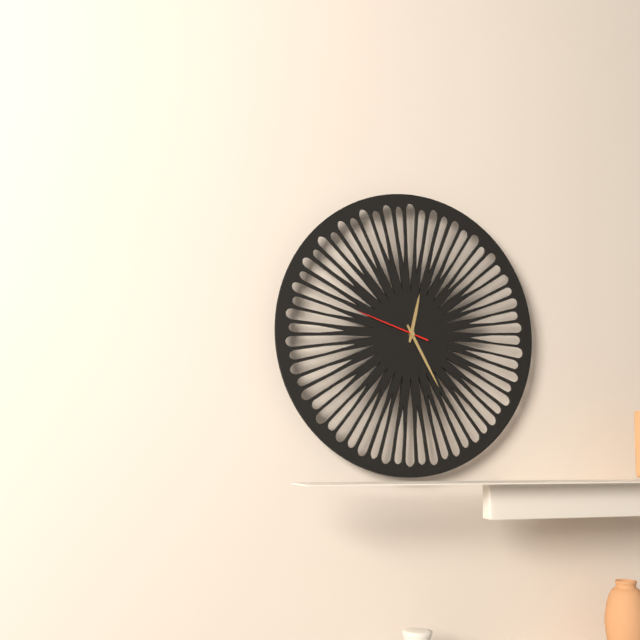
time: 12:25:48
